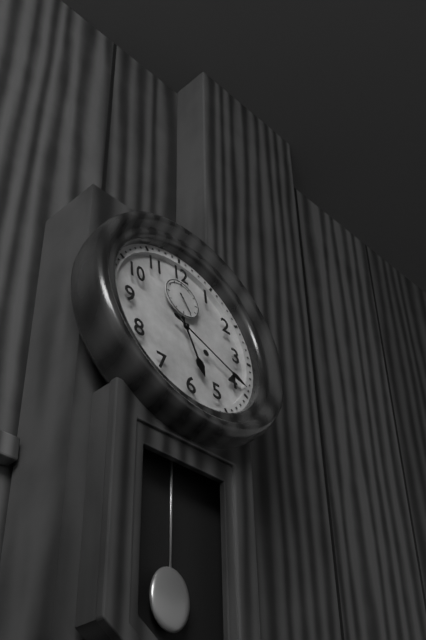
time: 5:19
